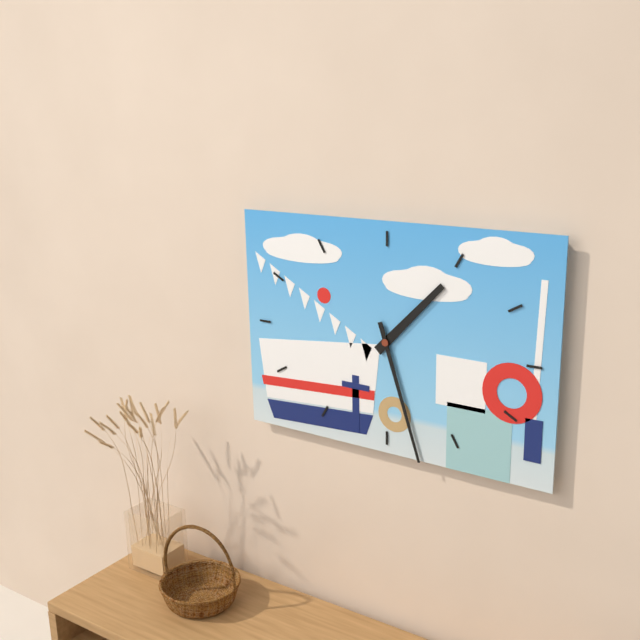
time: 1:27
